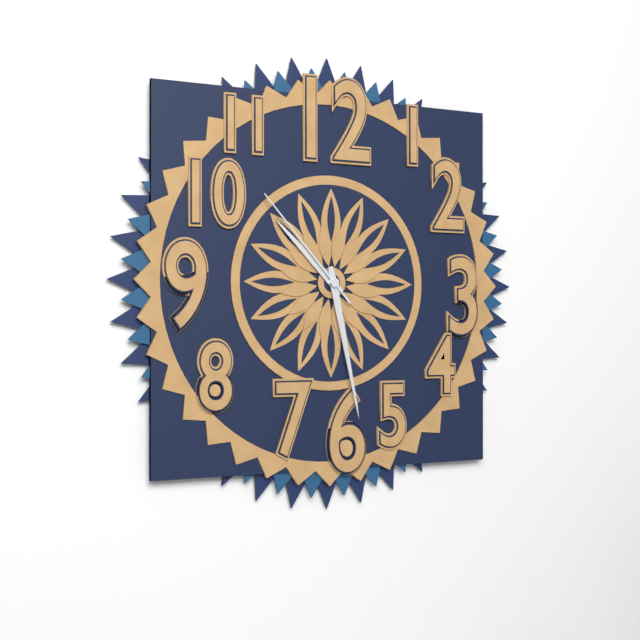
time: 10:28:53
